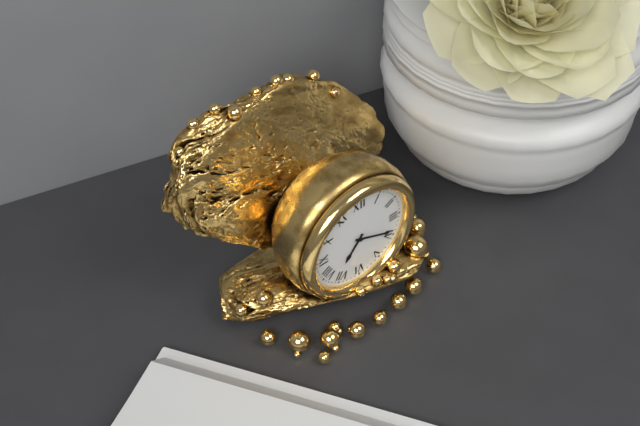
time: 7:19
